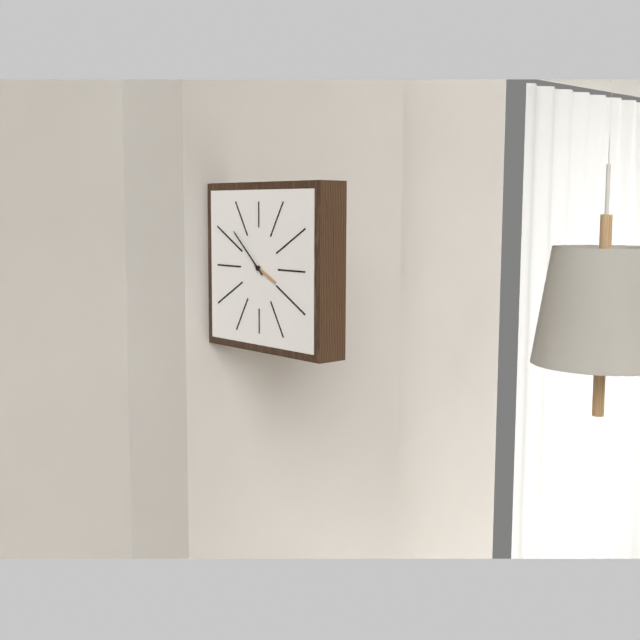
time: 3:52
